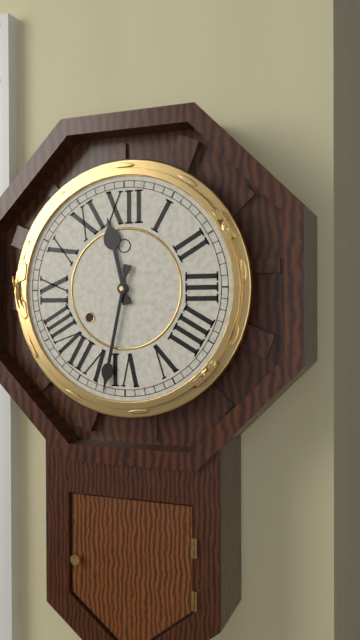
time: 11:32
